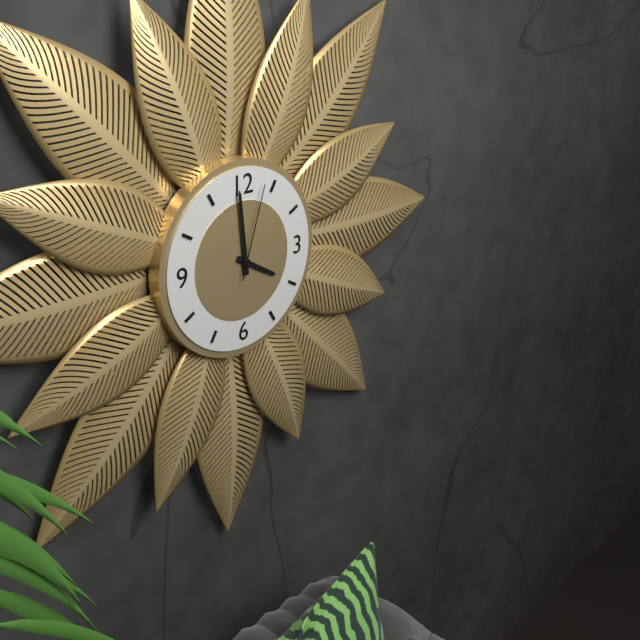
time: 3:59:03
